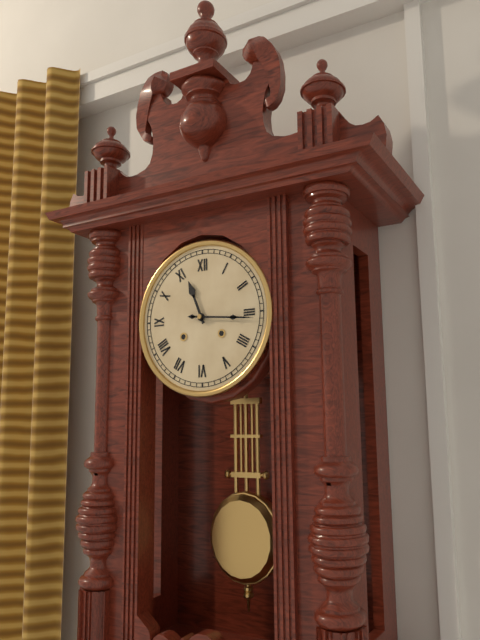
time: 11:16
